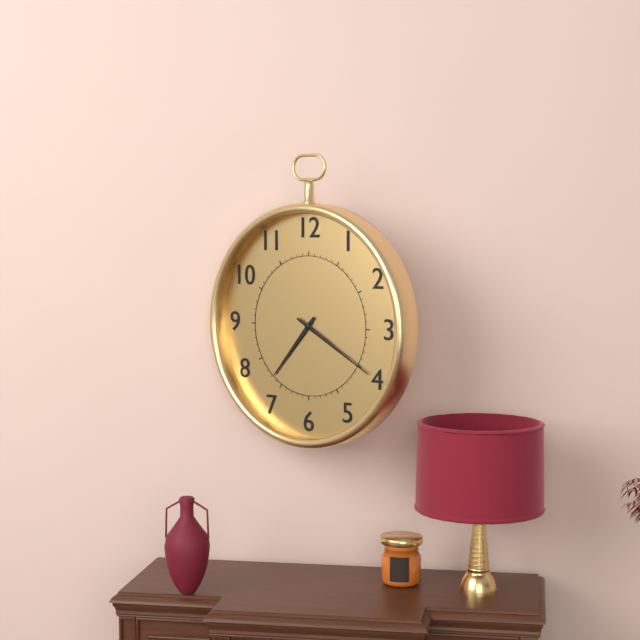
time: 7:20
